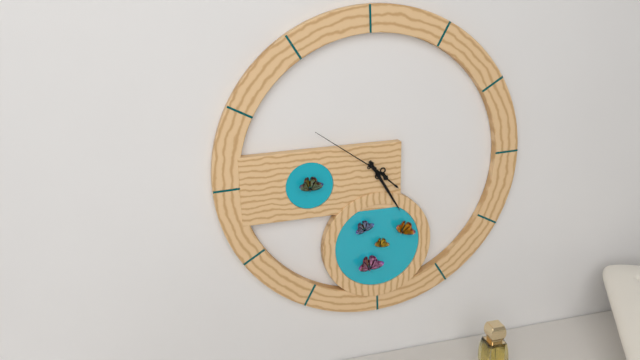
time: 4:25:51
